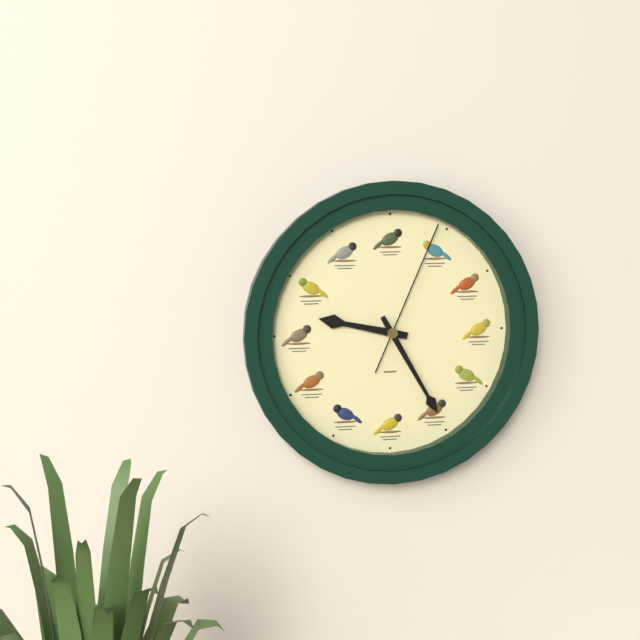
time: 9:25:04
